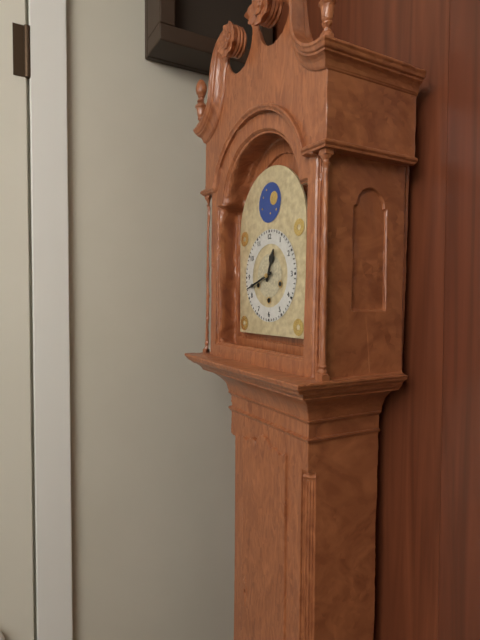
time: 12:42
